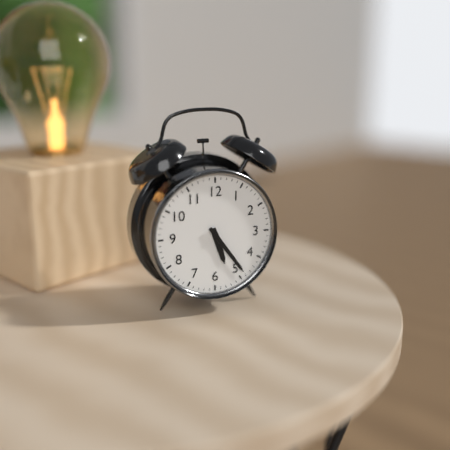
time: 5:24
